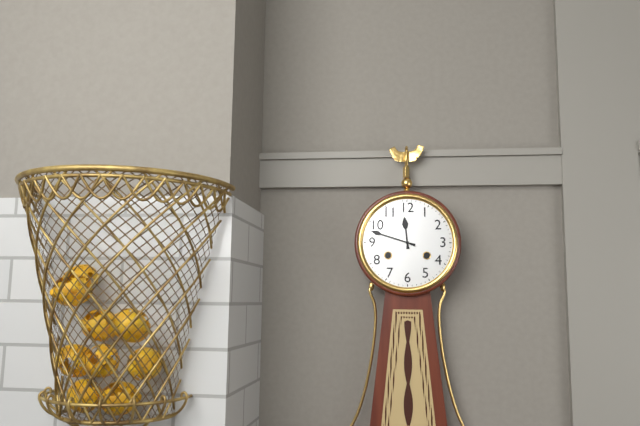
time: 11:48
